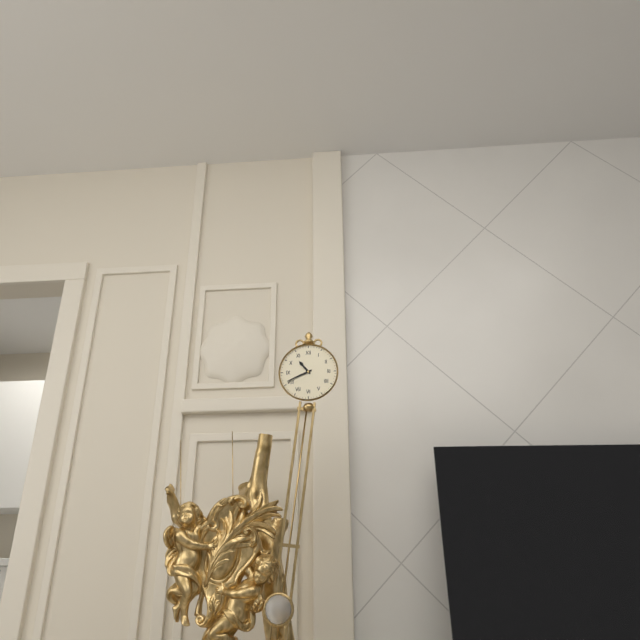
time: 10:41
